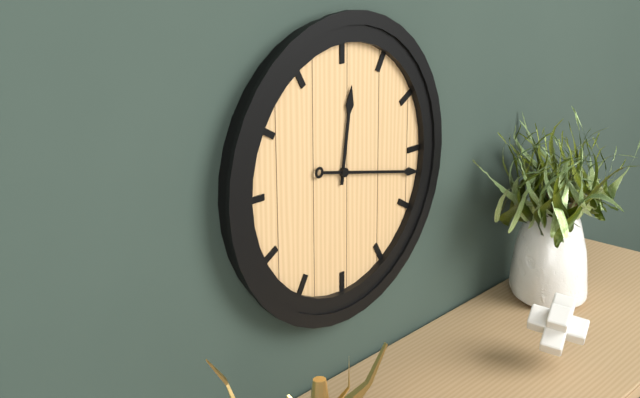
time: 12:17
